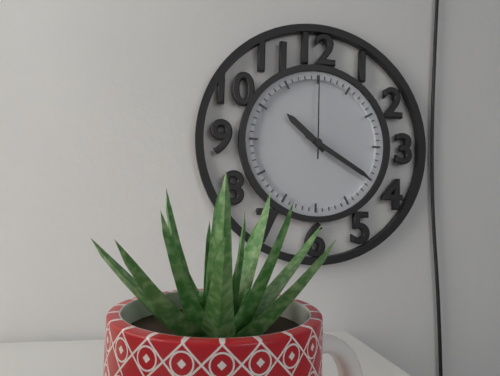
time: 10:20:00
